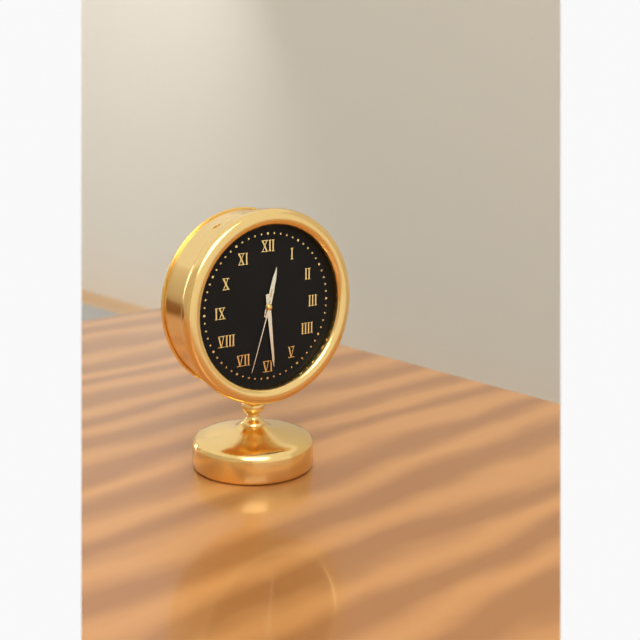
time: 12:29:33
